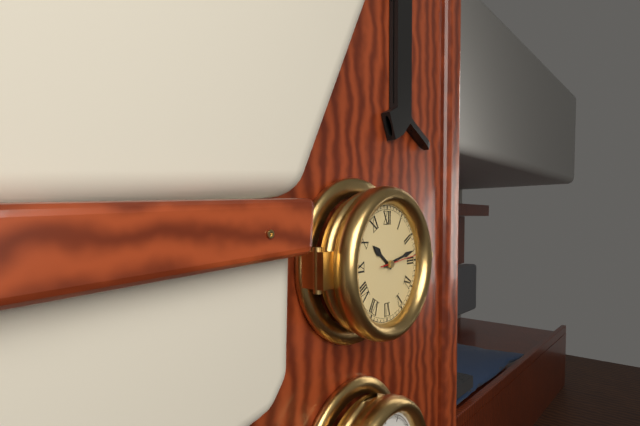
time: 10:13:14
